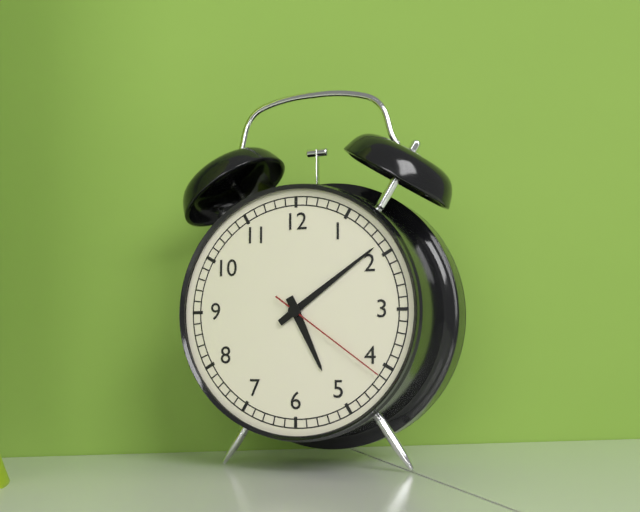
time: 5:09:21
